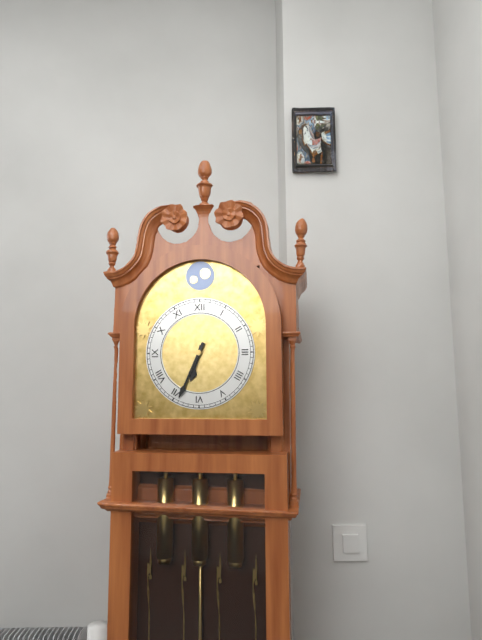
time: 6:34
